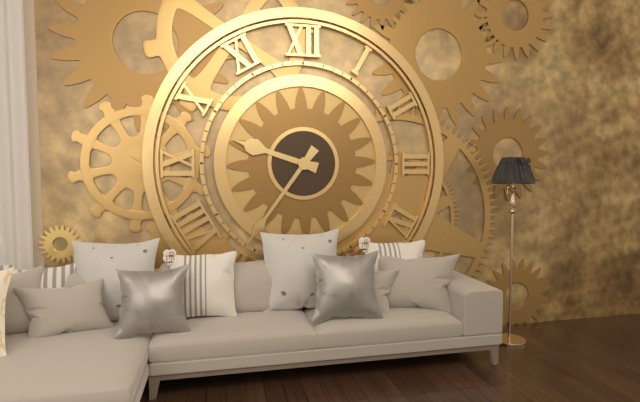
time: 9:36
